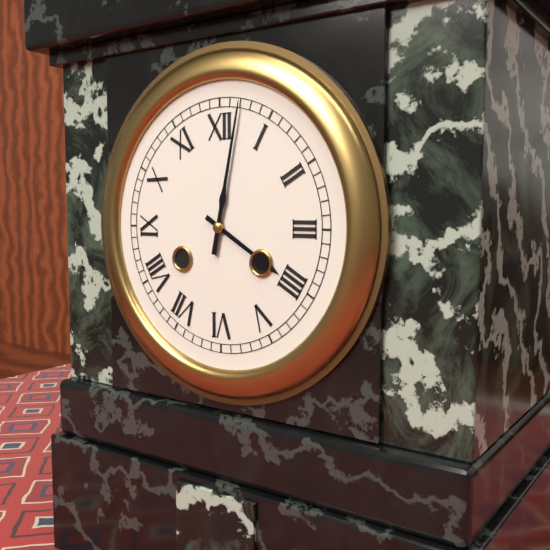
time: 4:02
